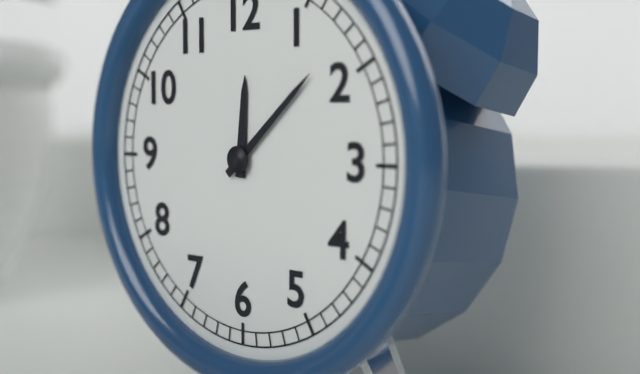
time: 12:08
